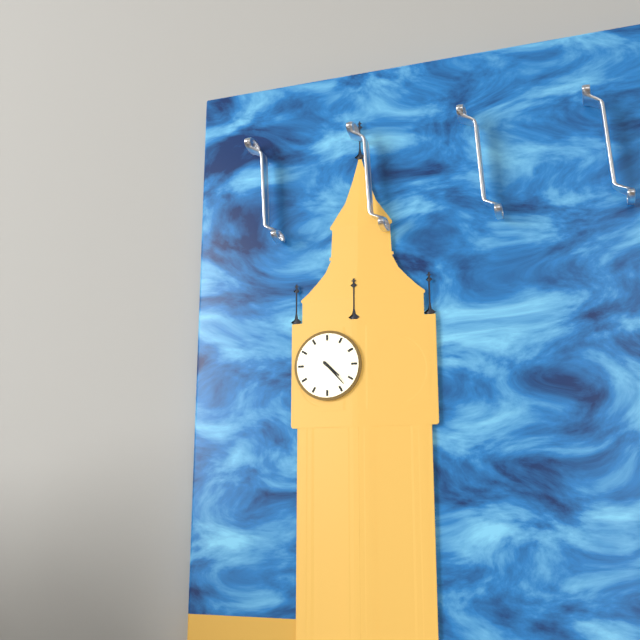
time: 4:23
